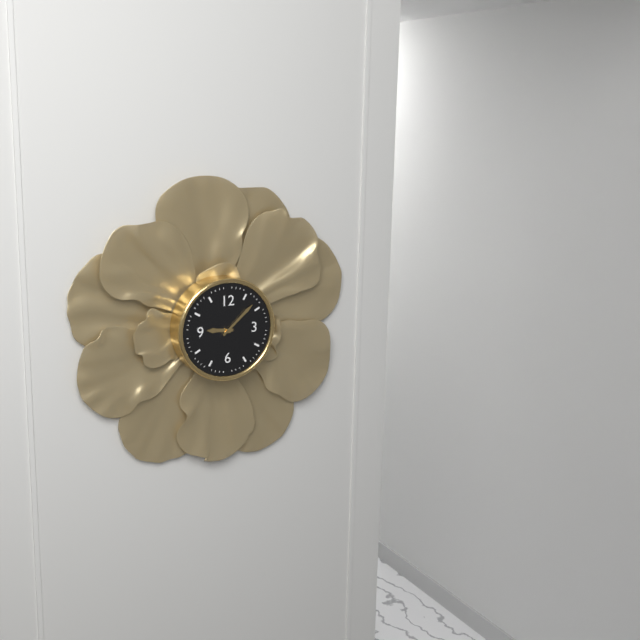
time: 9:08
